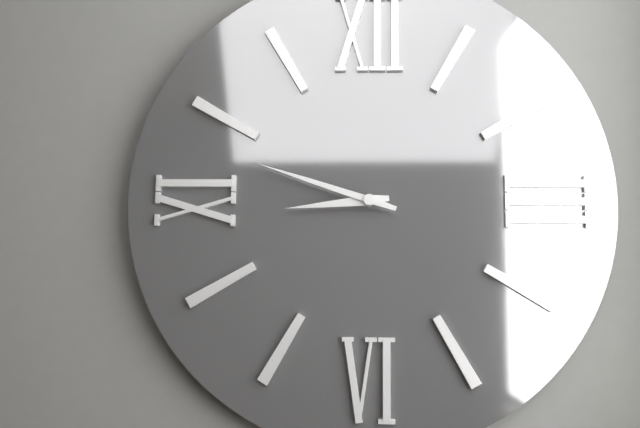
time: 8:48
